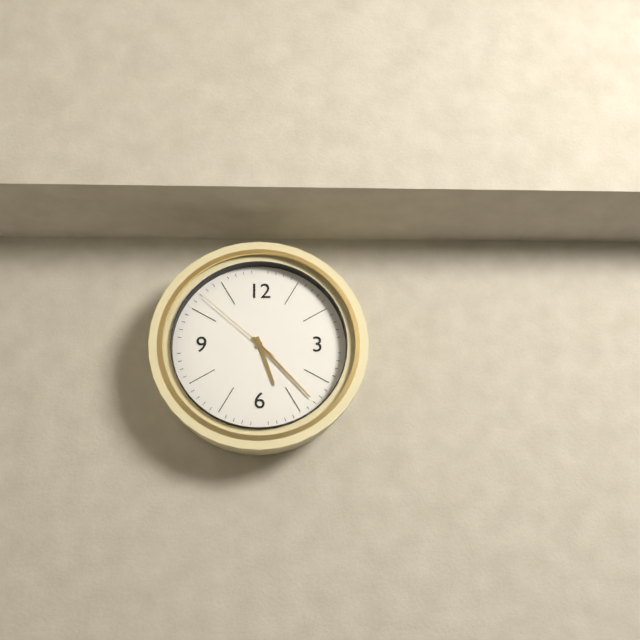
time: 5:23:52
